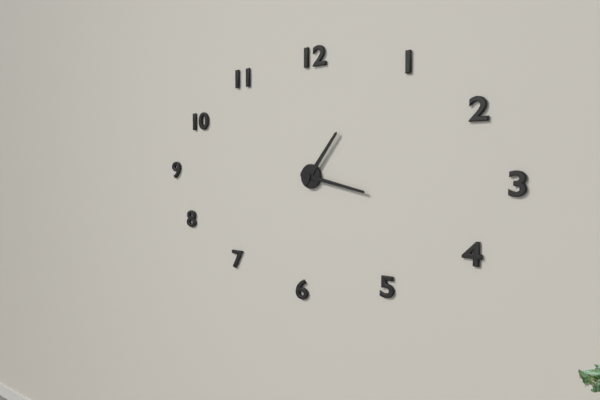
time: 1:17
